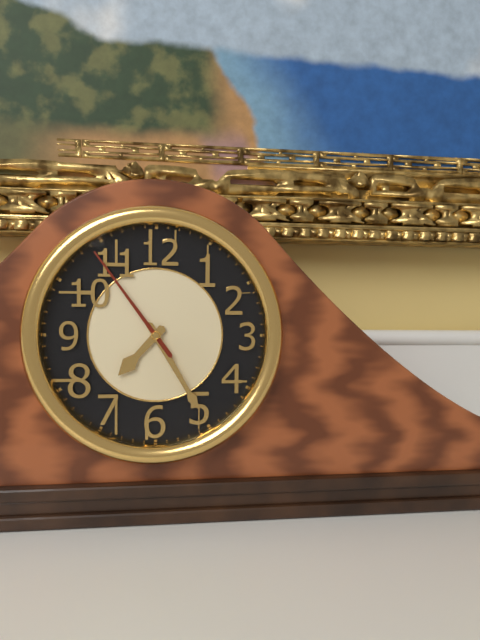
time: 7:25:54
